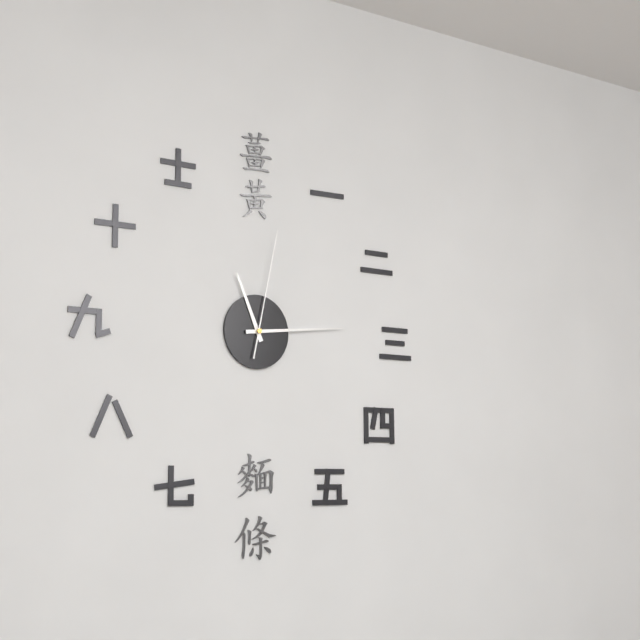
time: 11:14:02
